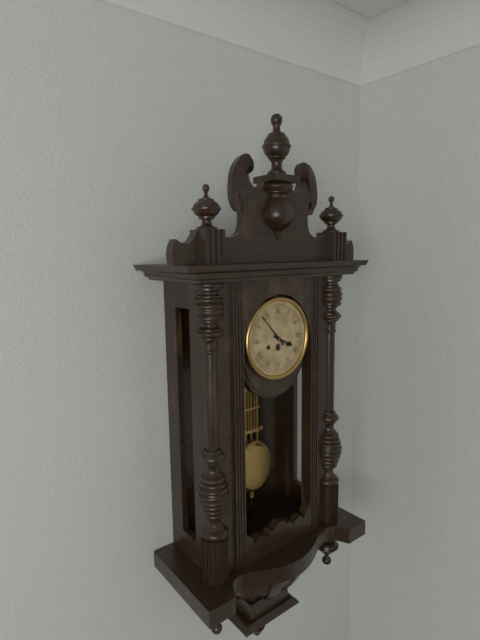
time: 3:53
